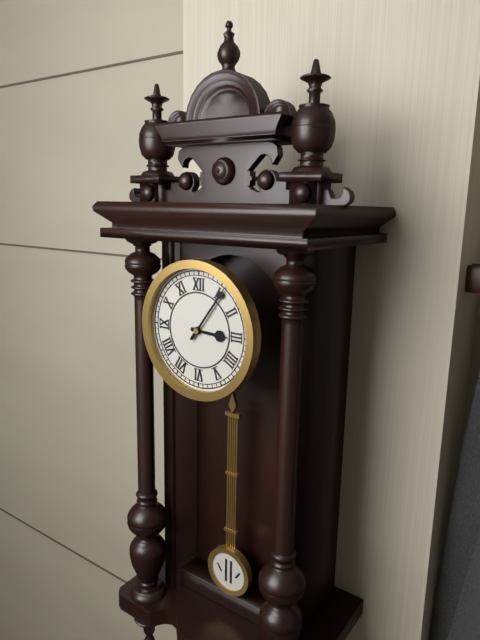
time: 3:06
